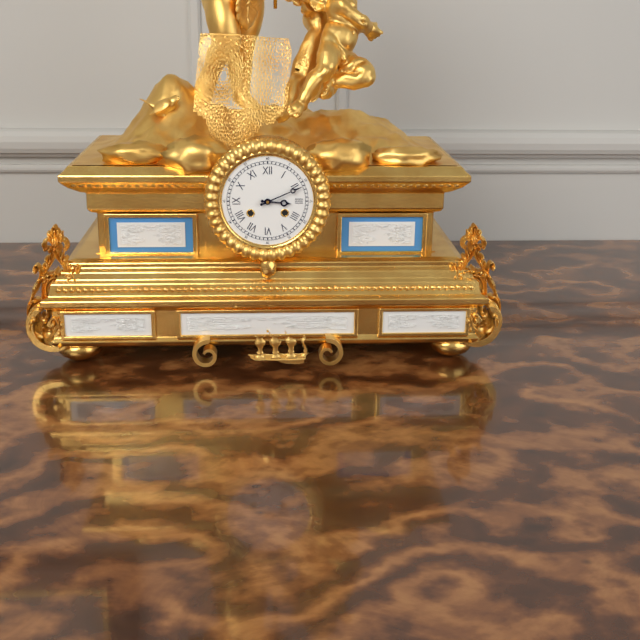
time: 3:11
